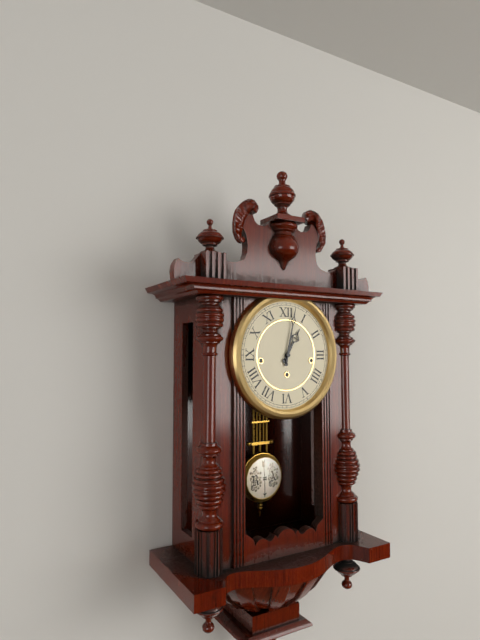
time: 1:02
